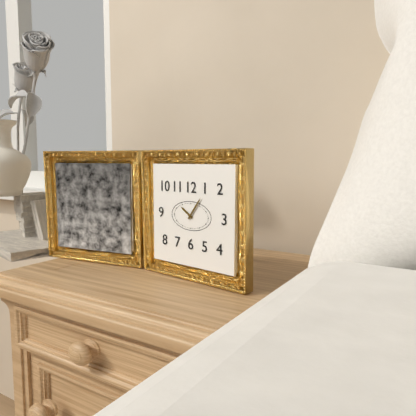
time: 10:06
